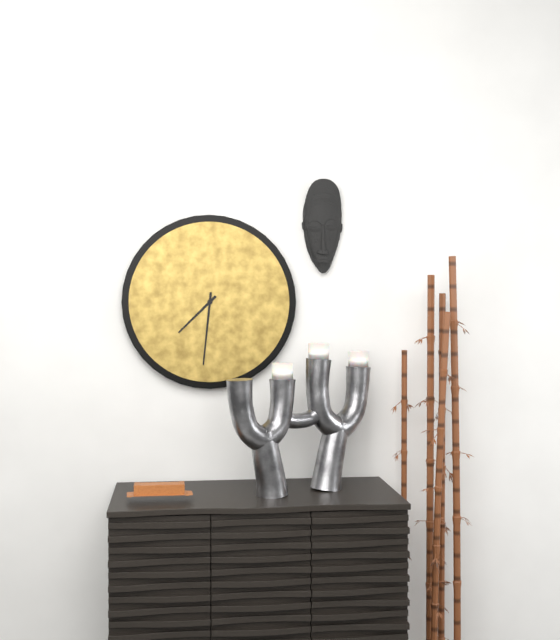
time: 7:31
